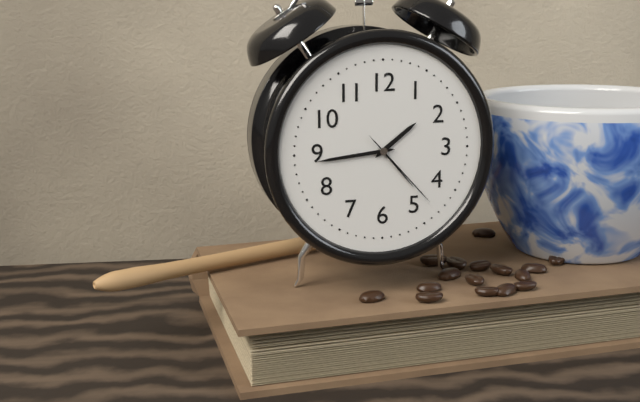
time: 1:44:23
